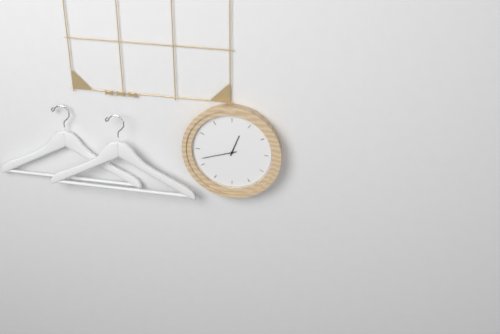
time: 12:42
